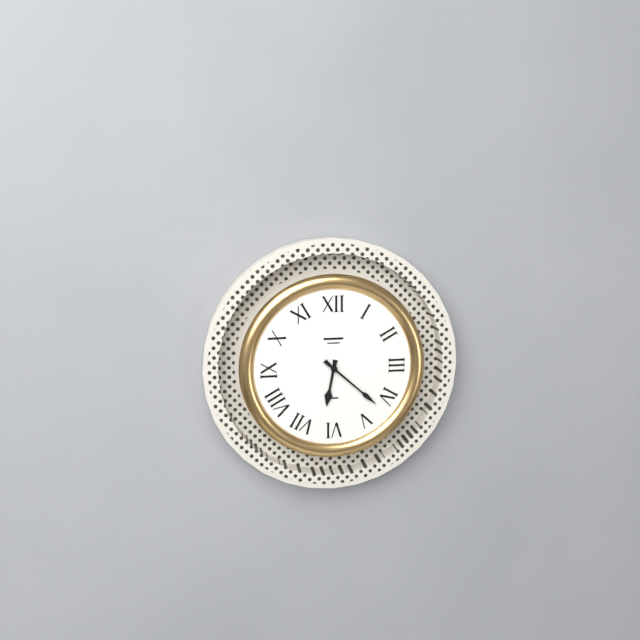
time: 6:22
